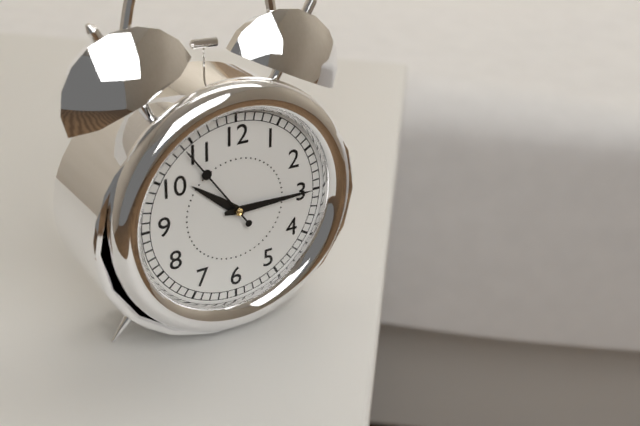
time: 10:15:54
